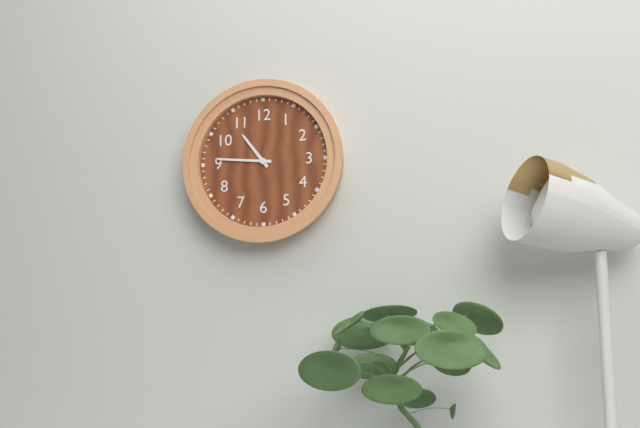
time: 10:46
